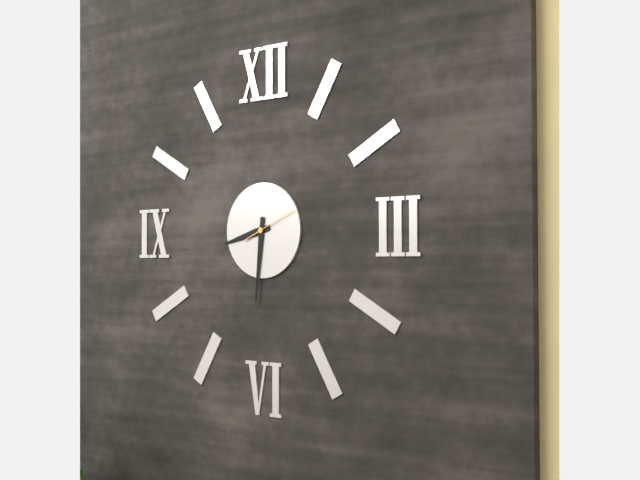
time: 8:31
